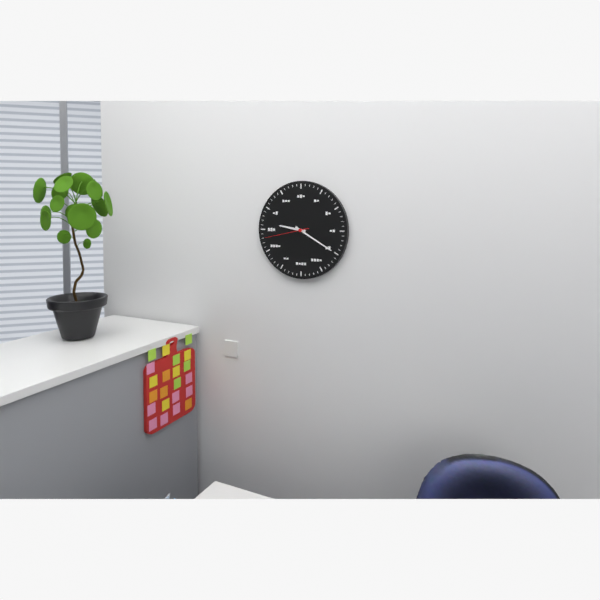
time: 9:20
